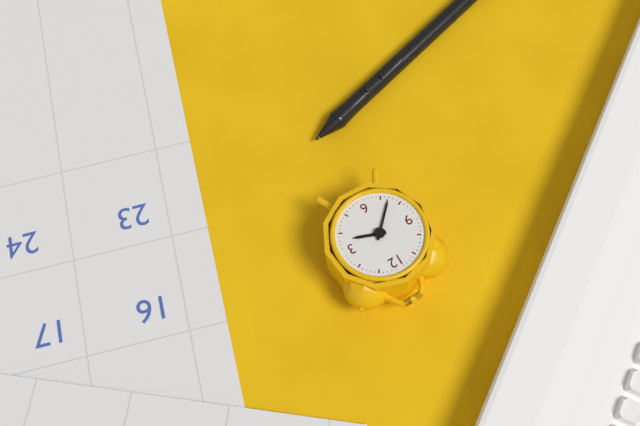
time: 3:37
